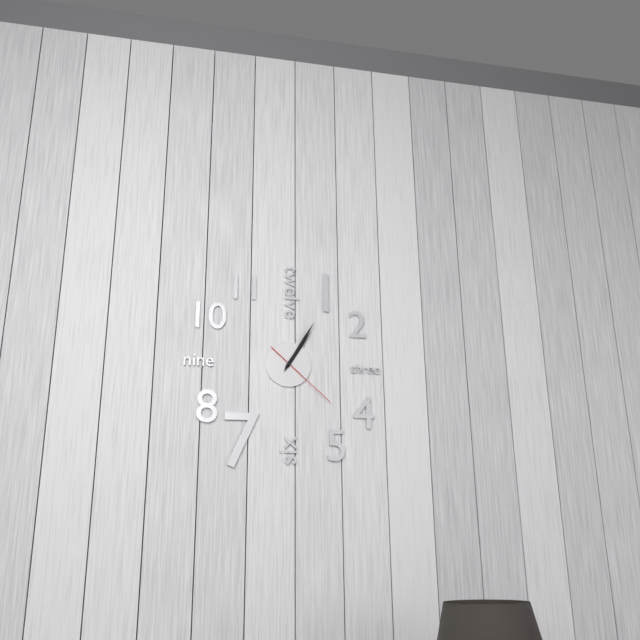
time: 1:05:22
